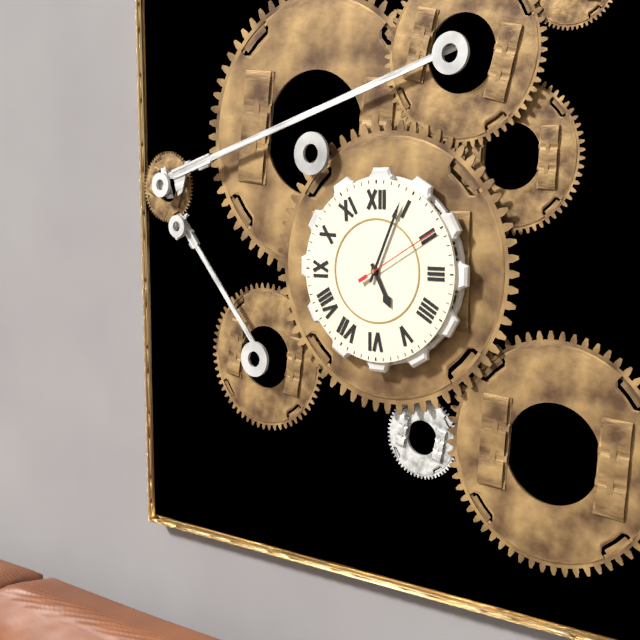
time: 5:04:10
